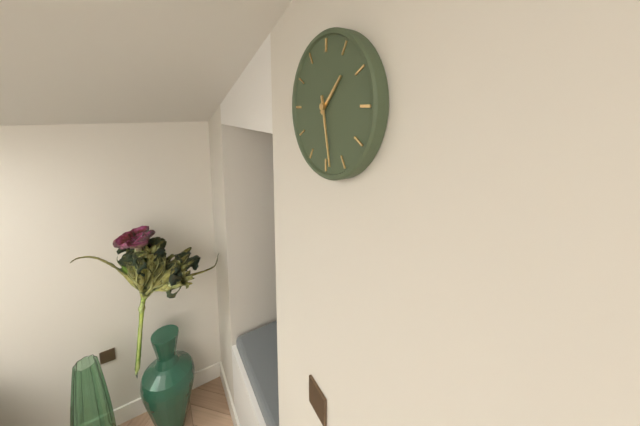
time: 1:28
